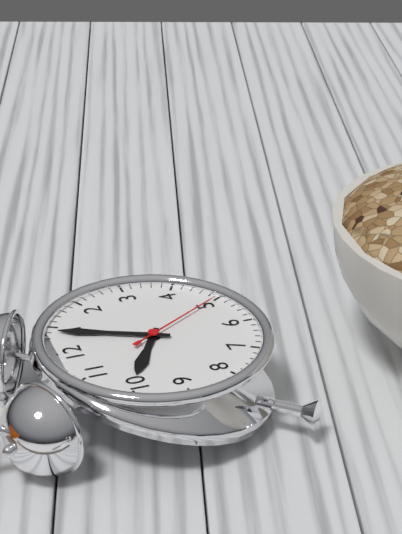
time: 10:04:25
